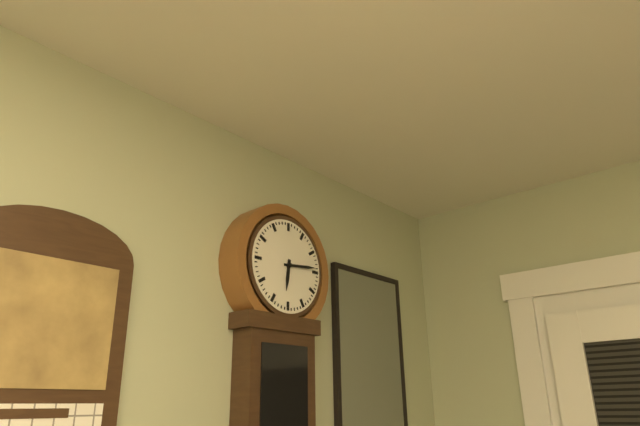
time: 6:14
